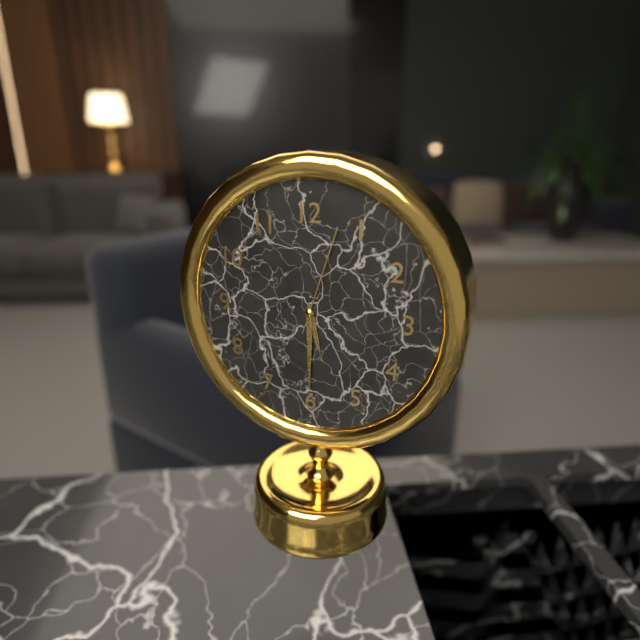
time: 5:30:03
